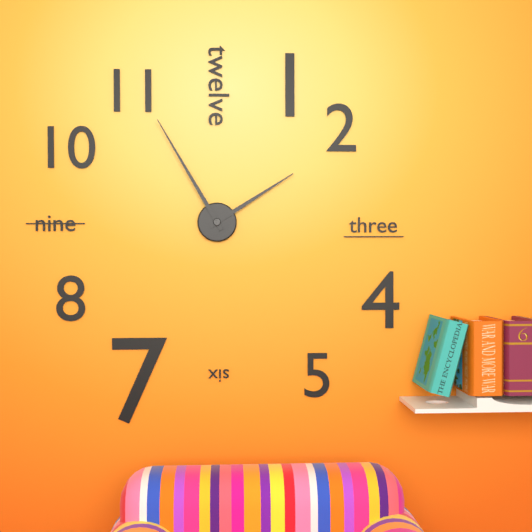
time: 1:55
